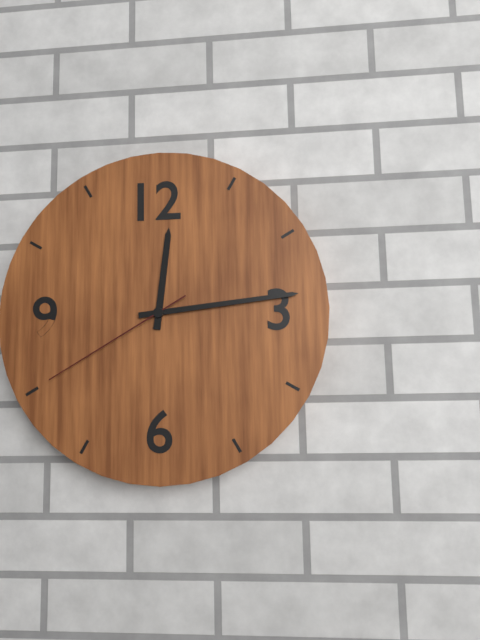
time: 12:14:40
